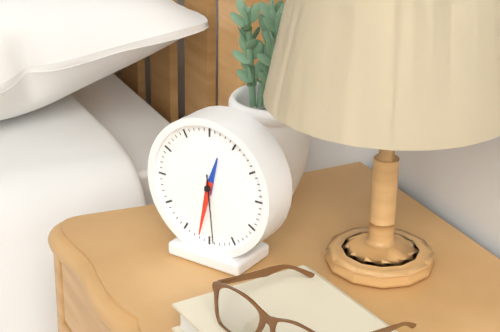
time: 12:32:29
